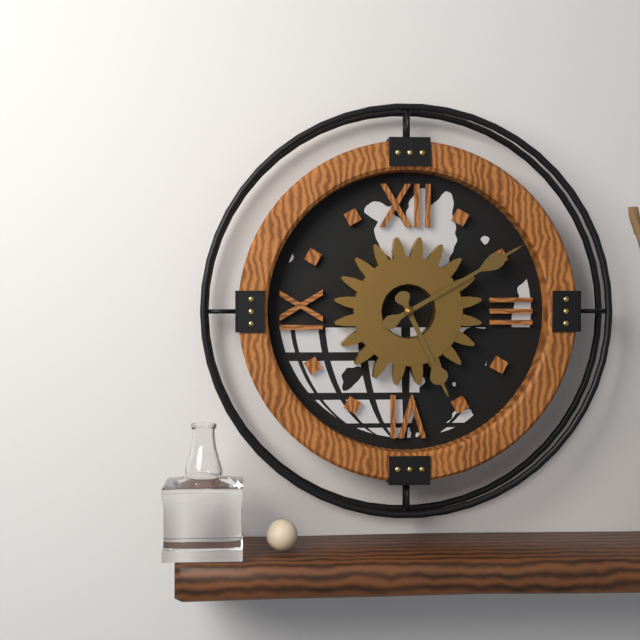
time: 5:10
